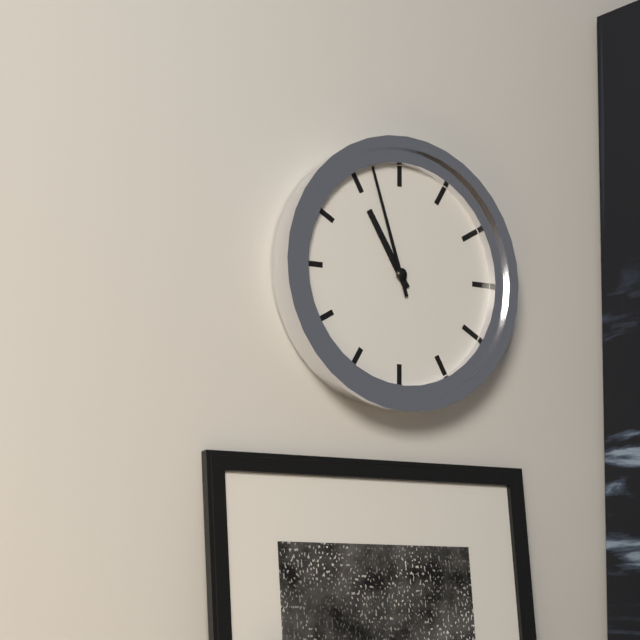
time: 10:57
